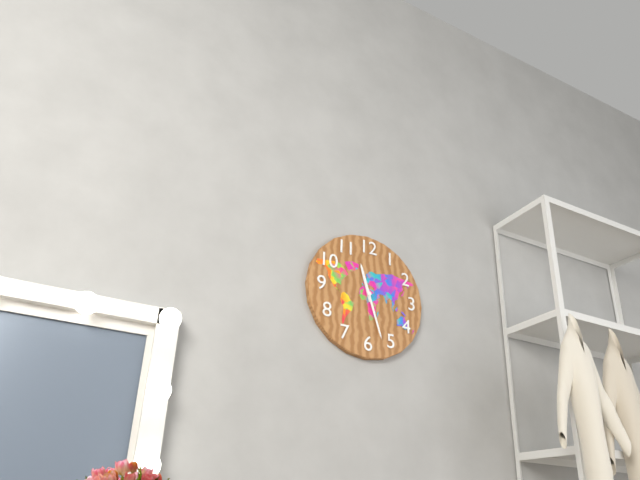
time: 11:27
